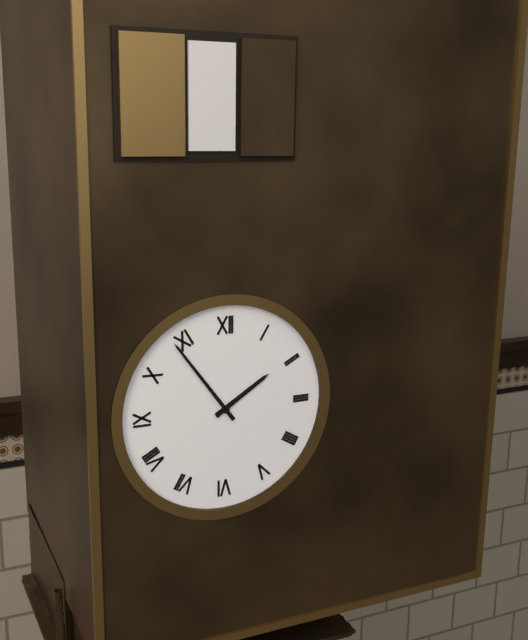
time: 1:54
